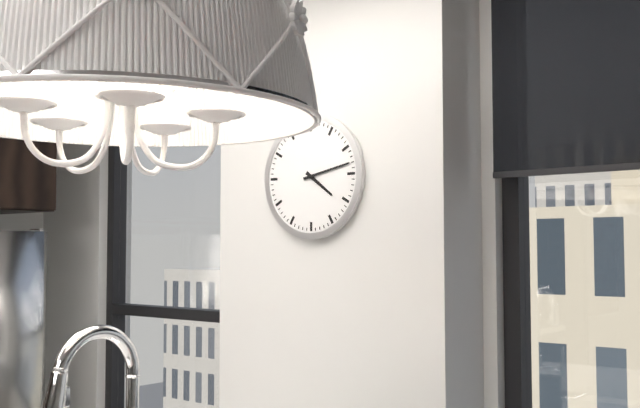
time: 4:13
